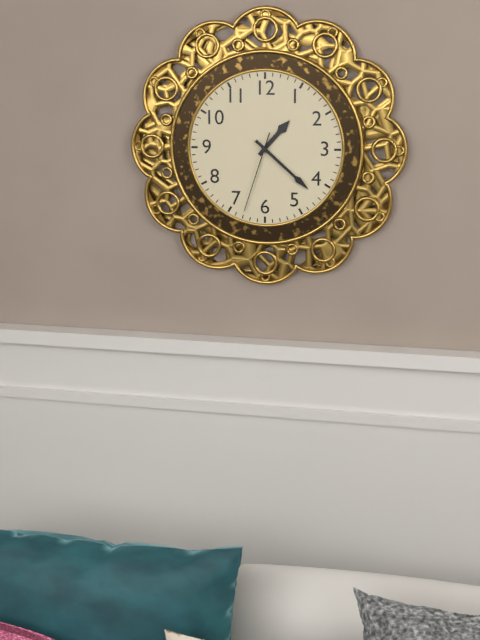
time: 1:22:33
